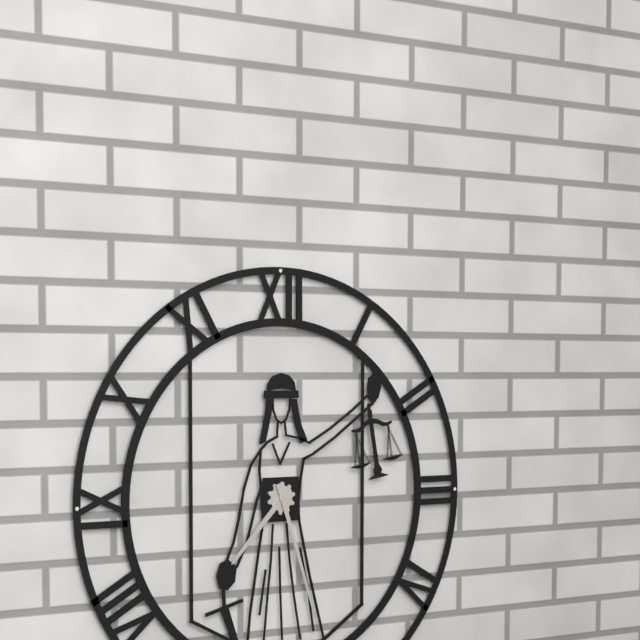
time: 7:27
